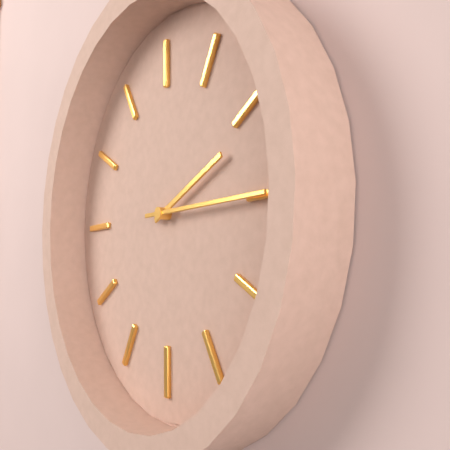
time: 2:15
